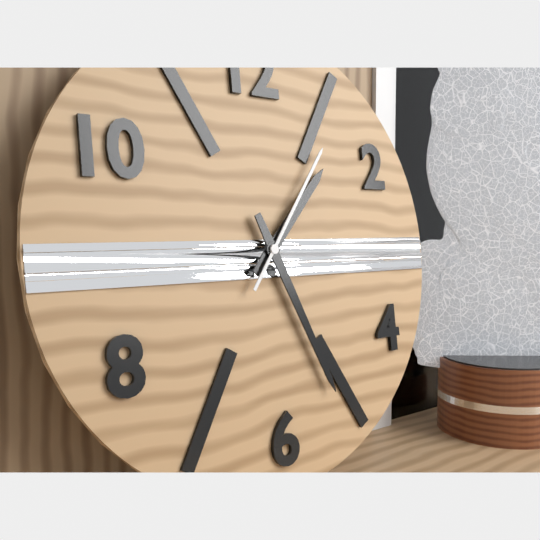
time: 1:26:06
